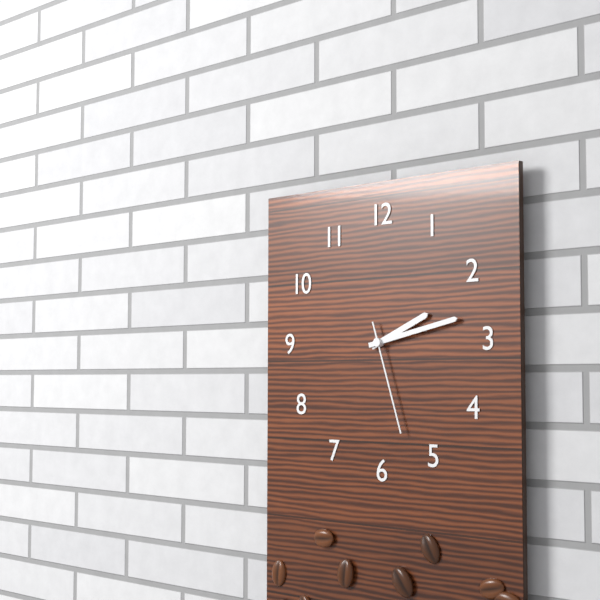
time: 2:13:27
